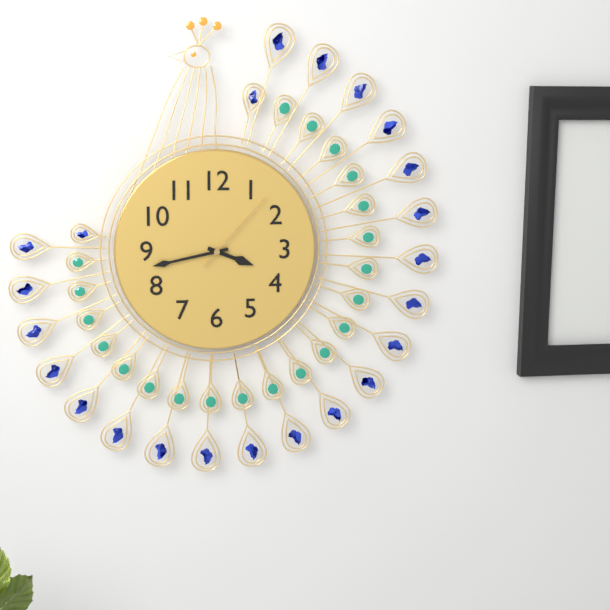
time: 3:43:07
